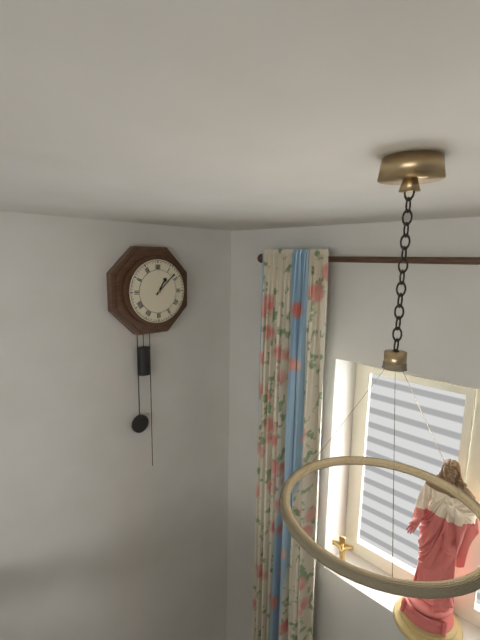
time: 1:08
